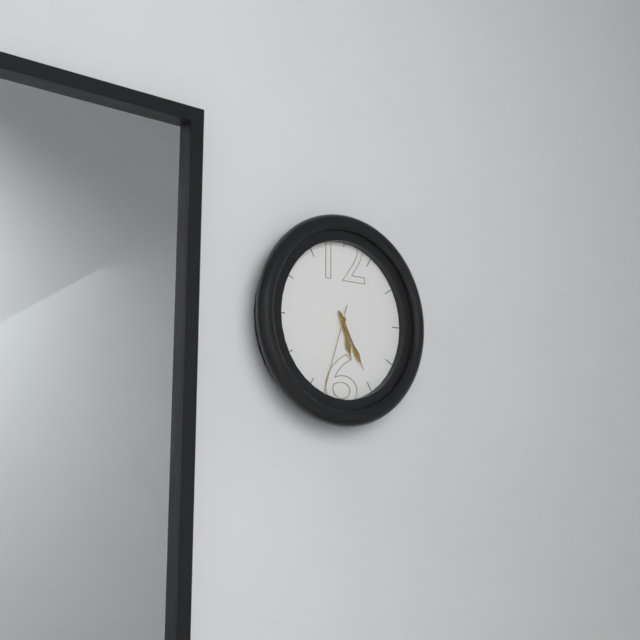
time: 5:25:33
